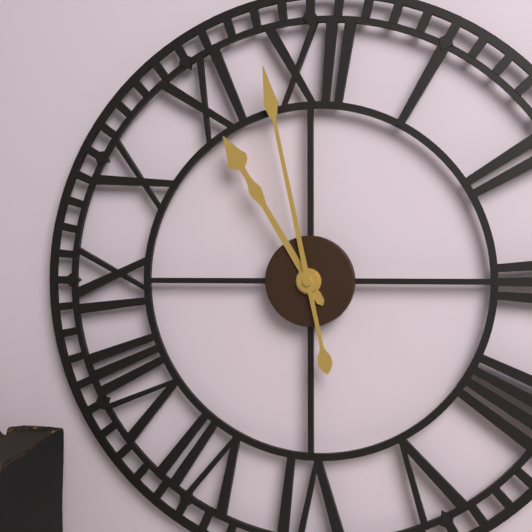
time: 10:58
